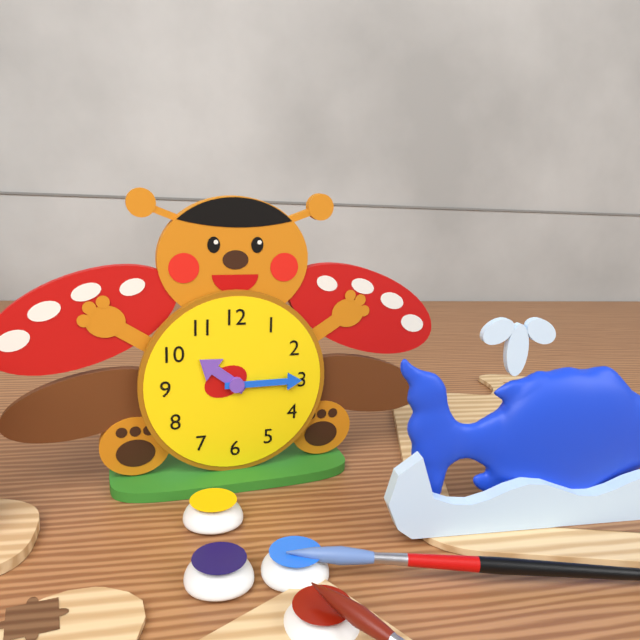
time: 10:15
